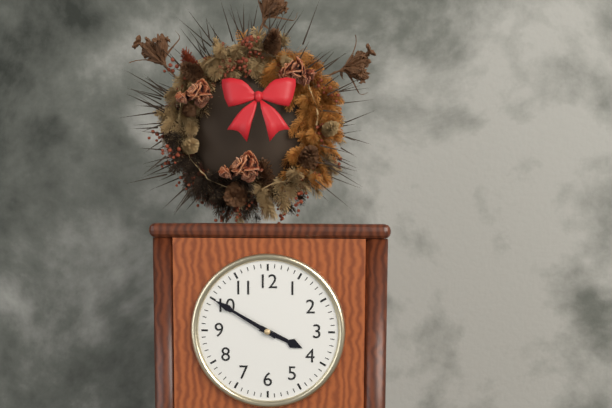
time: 3:50
